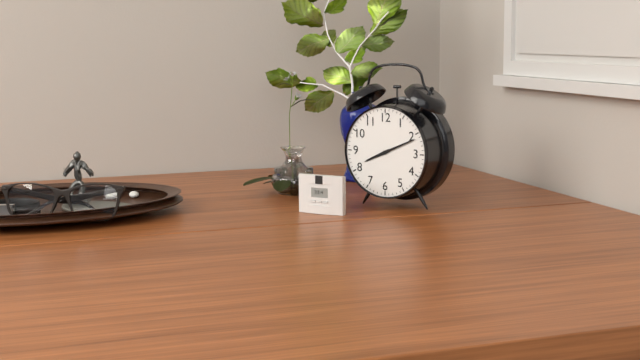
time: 8:11
